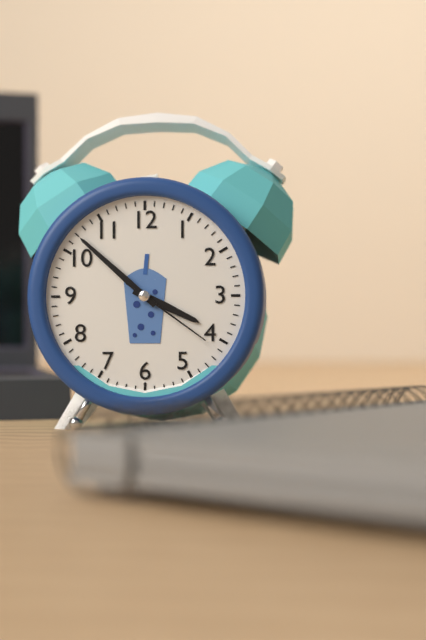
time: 3:52:21
